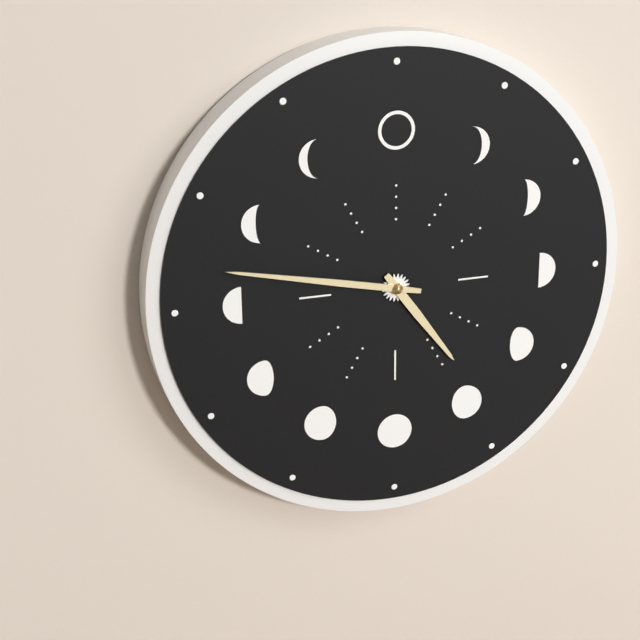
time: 4:47
